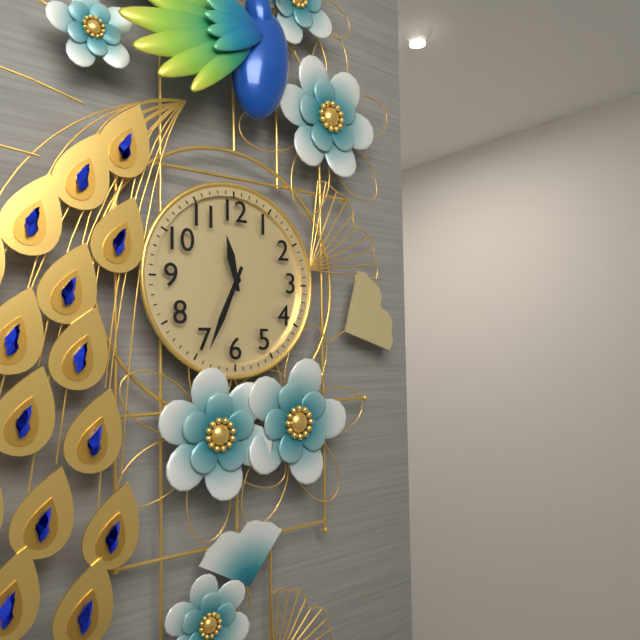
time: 11:34
